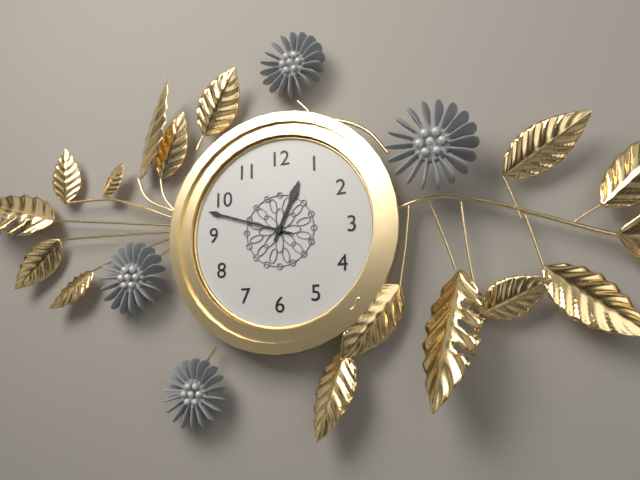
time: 12:48
